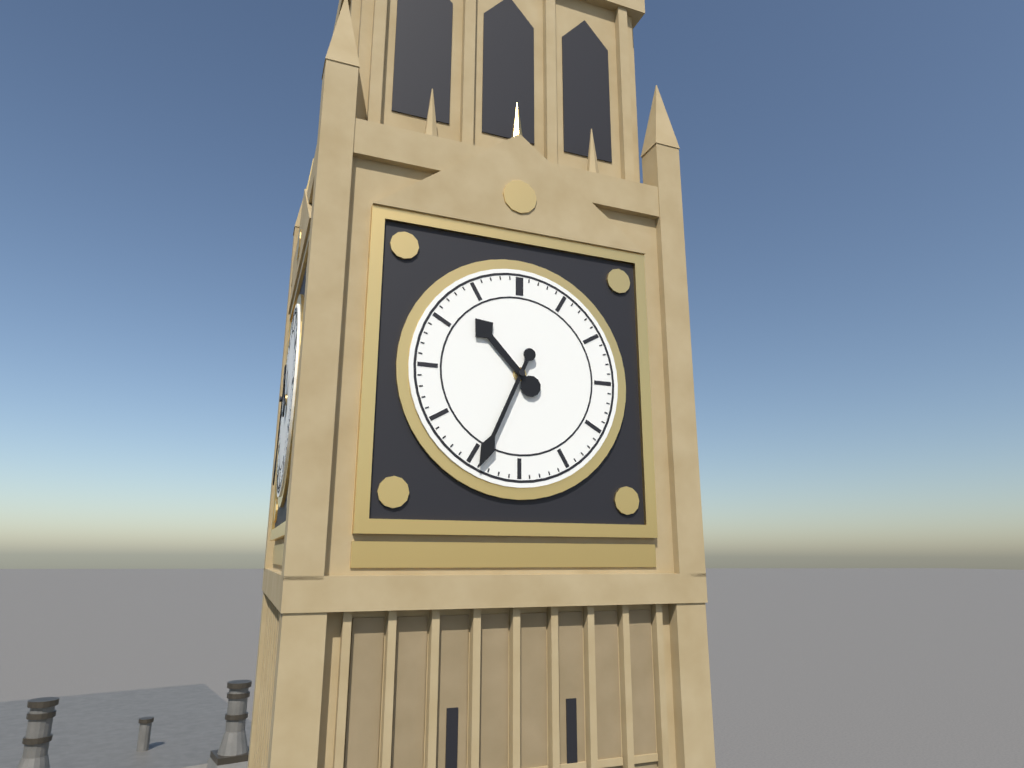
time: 10:34
